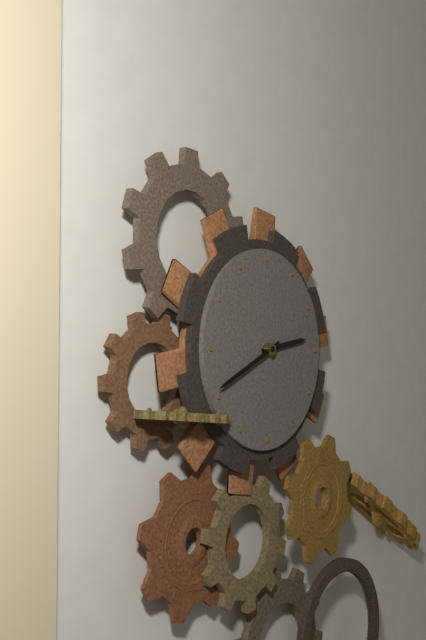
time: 2:41
